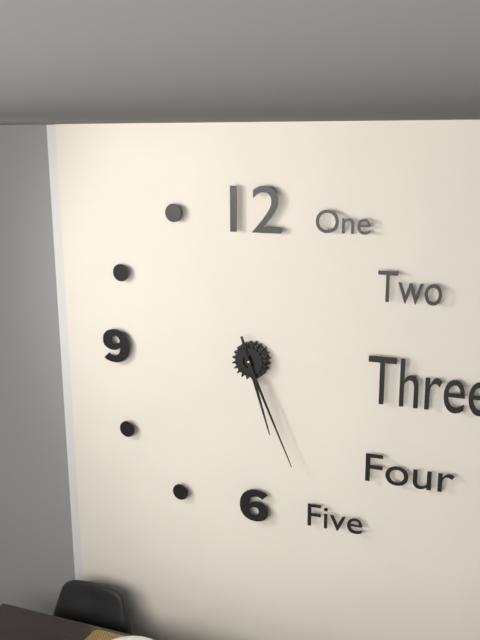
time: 5:26
